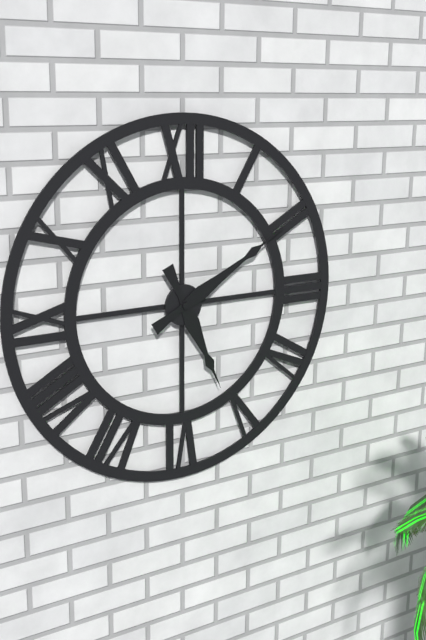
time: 5:10
